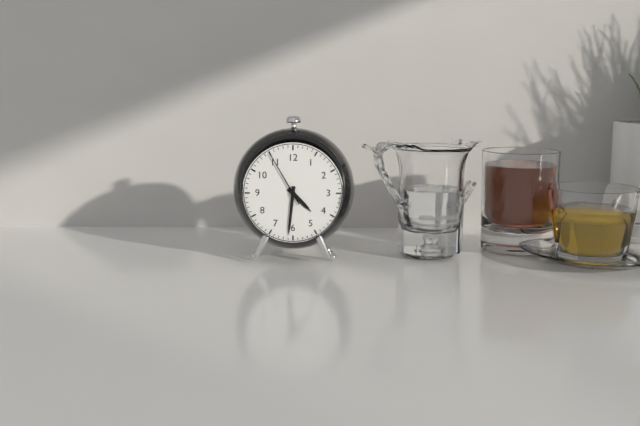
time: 4:31:55
